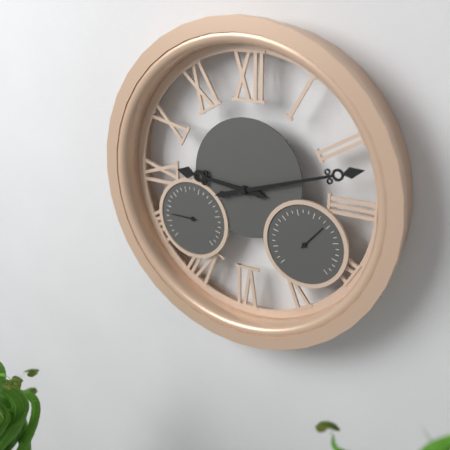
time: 9:12
